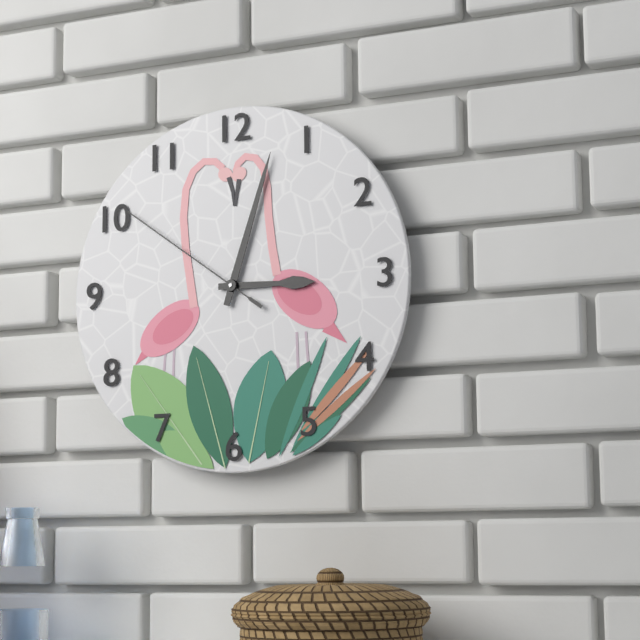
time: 3:03:51
